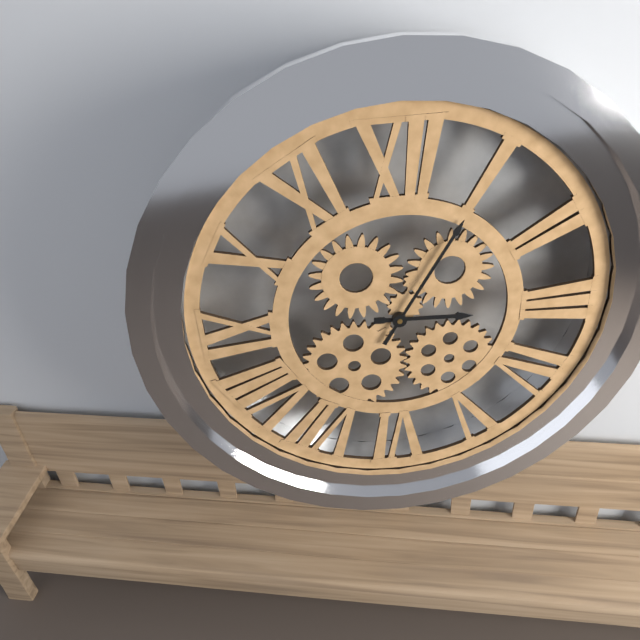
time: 3:05
